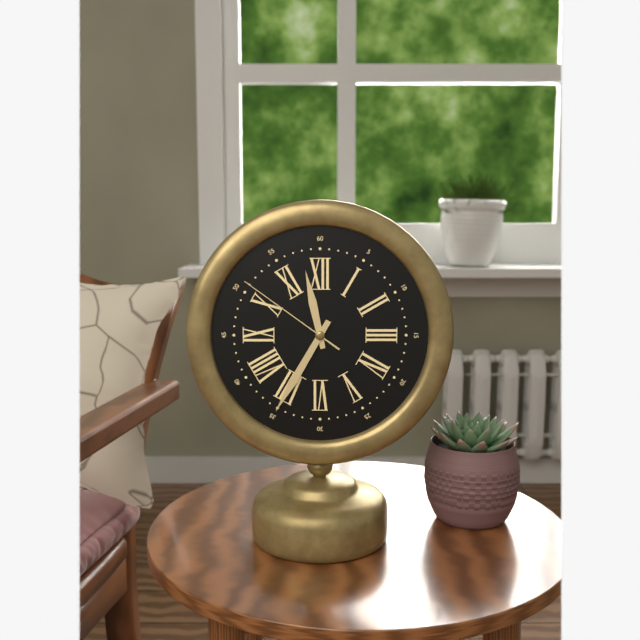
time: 11:35:51
